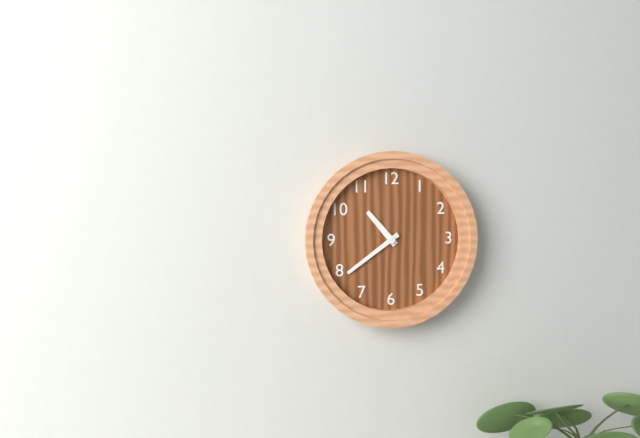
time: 10:39
